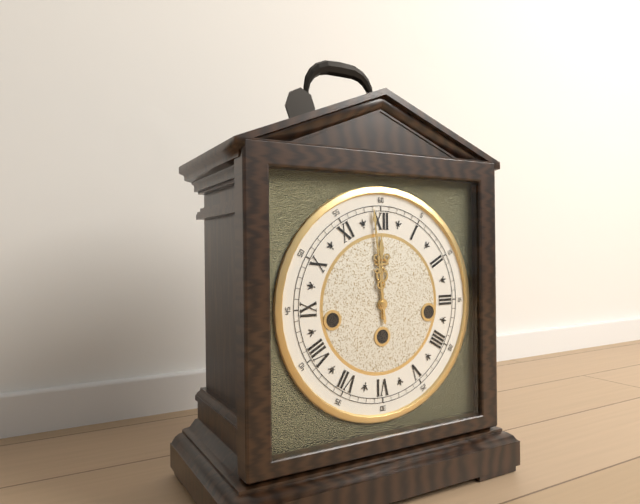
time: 11:59
